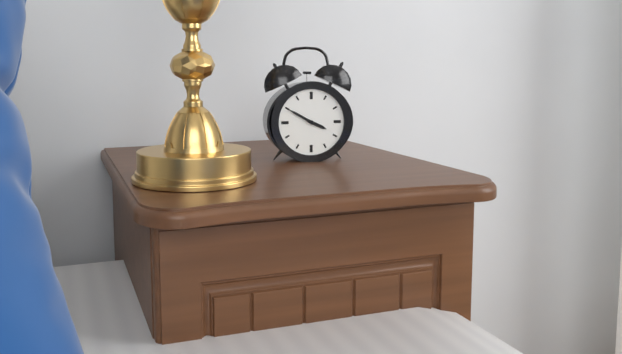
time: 3:50
